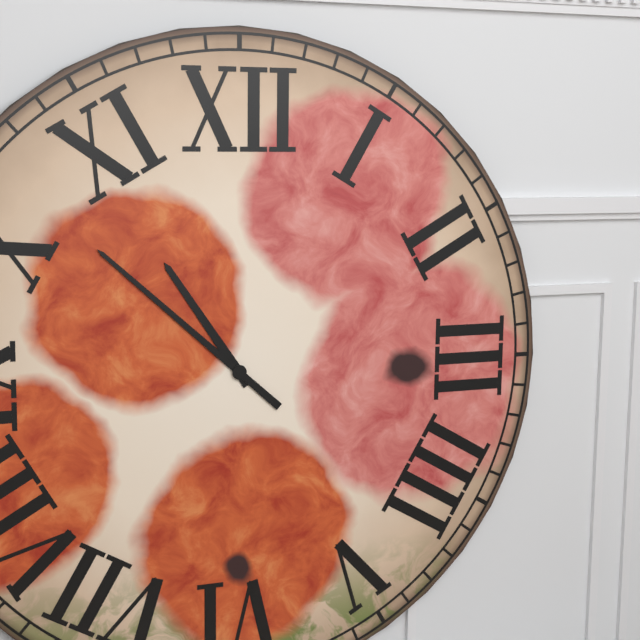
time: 10:52
